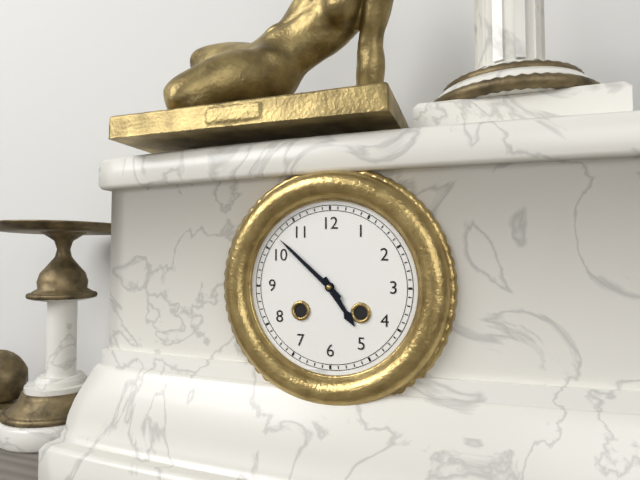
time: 4:52
